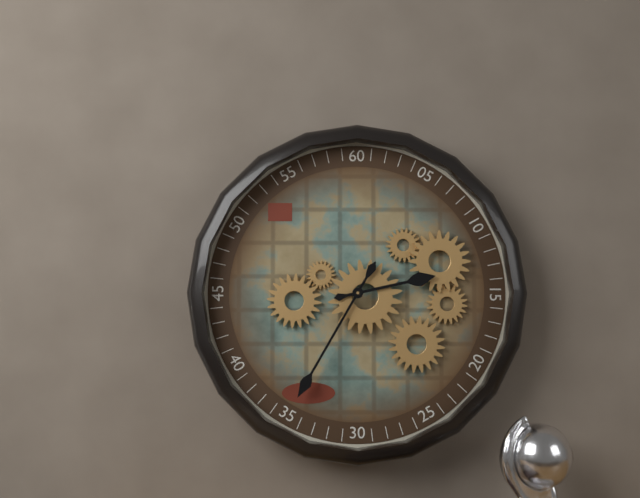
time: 2:35
